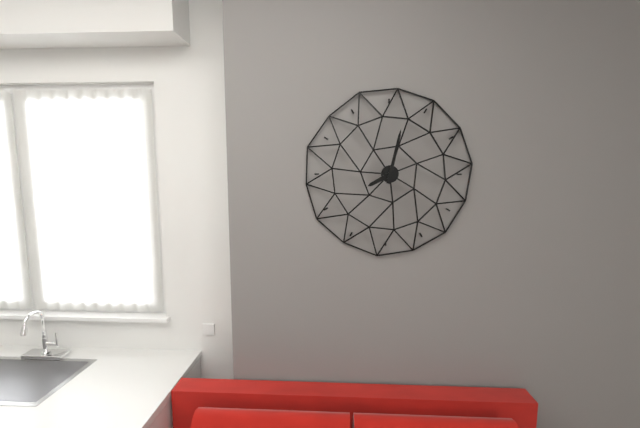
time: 8:02
